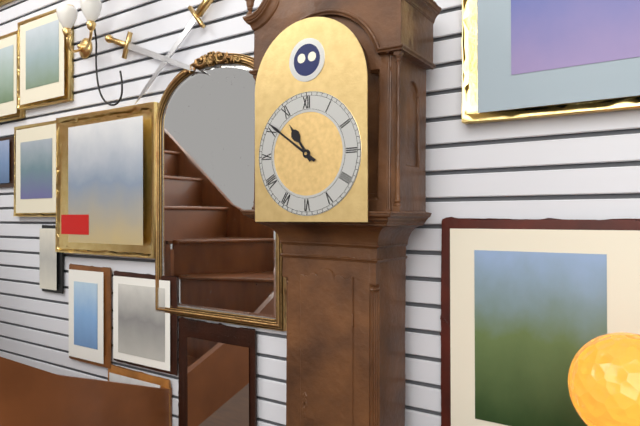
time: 10:51
